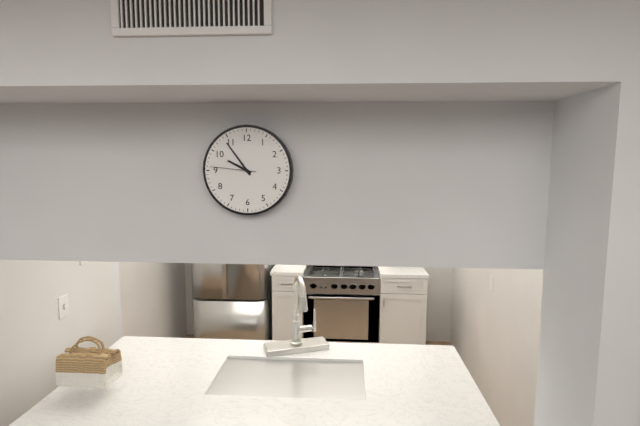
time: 9:54
